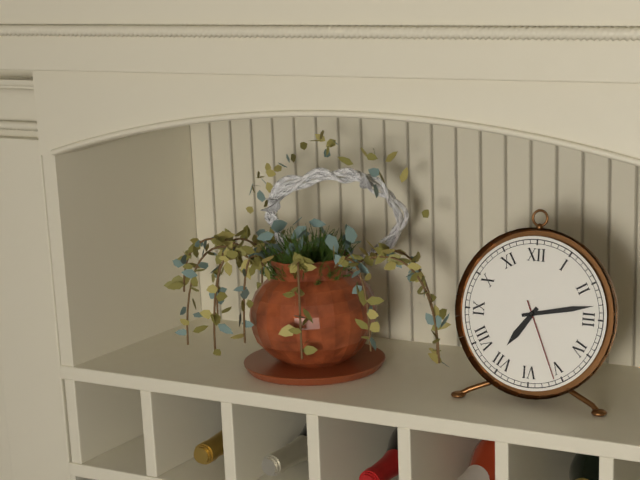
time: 7:13:26
